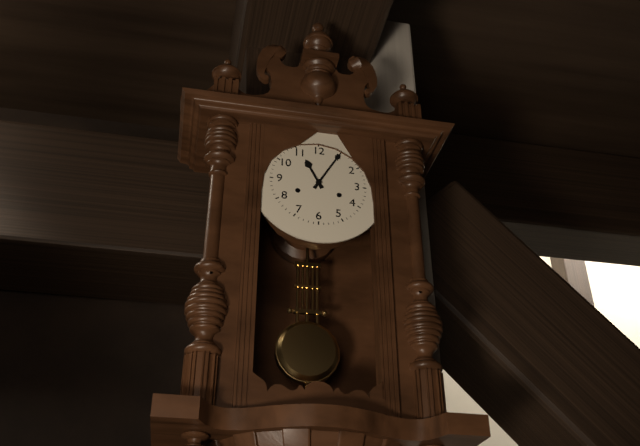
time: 11:05
